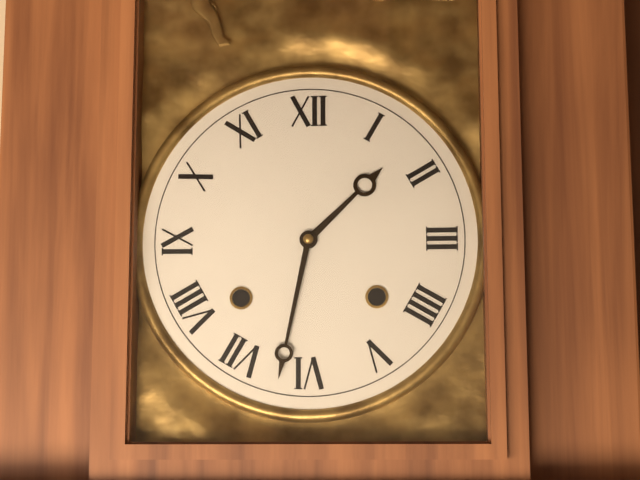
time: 1:32
